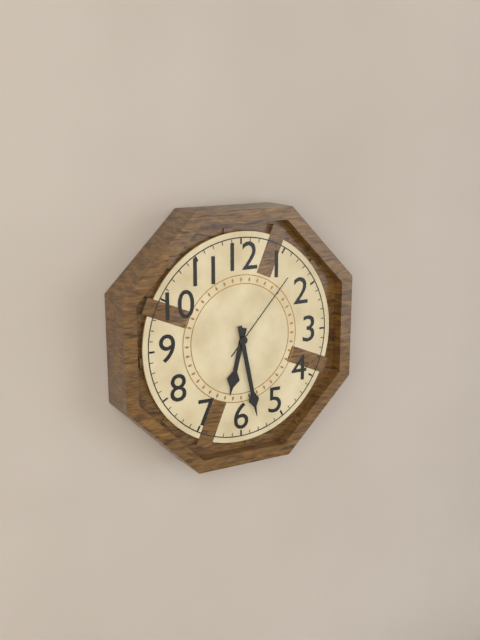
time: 6:28:07
